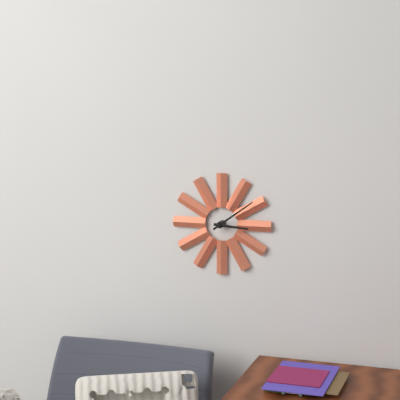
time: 3:09
